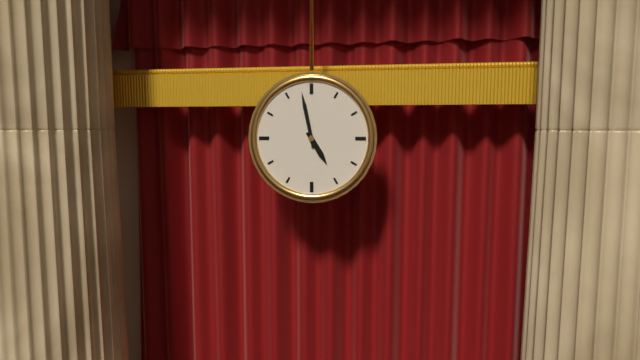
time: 4:58
